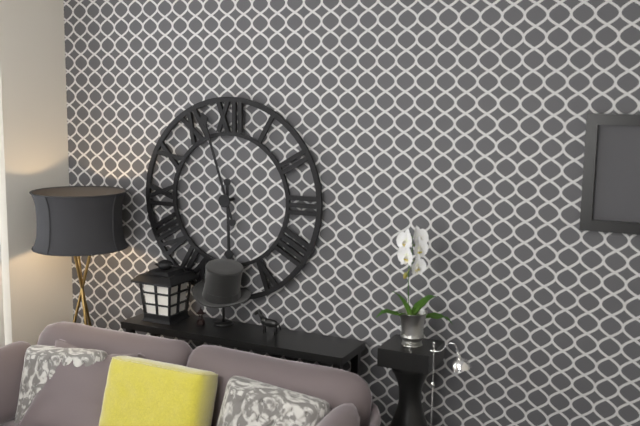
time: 5:57
